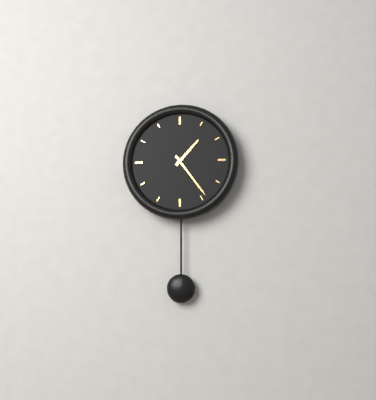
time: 1:24
